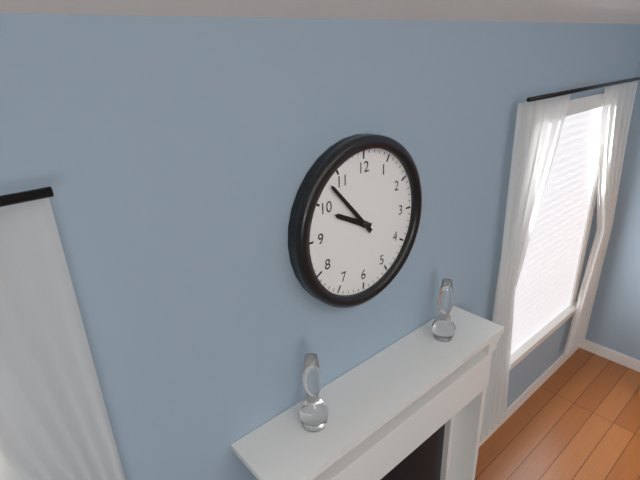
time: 9:53
